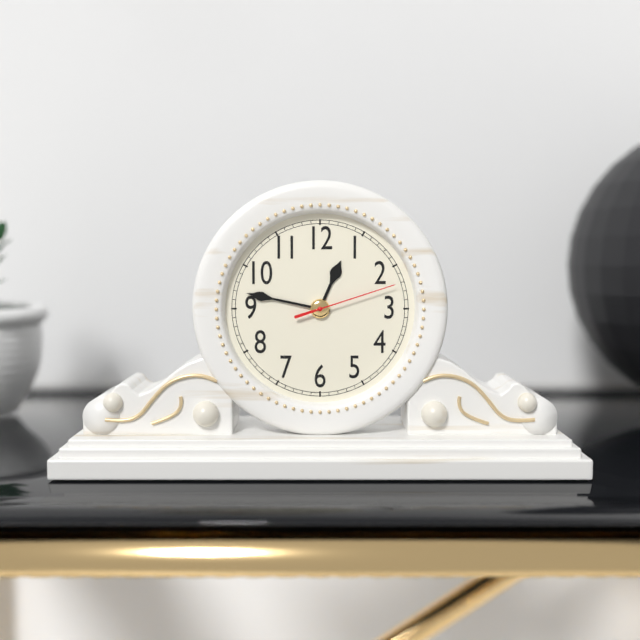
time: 12:47:12
